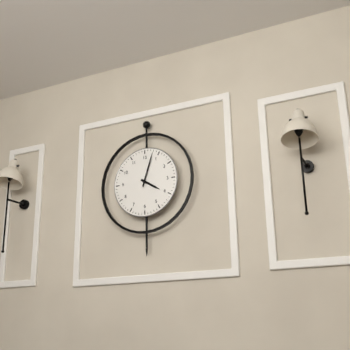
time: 4:03
